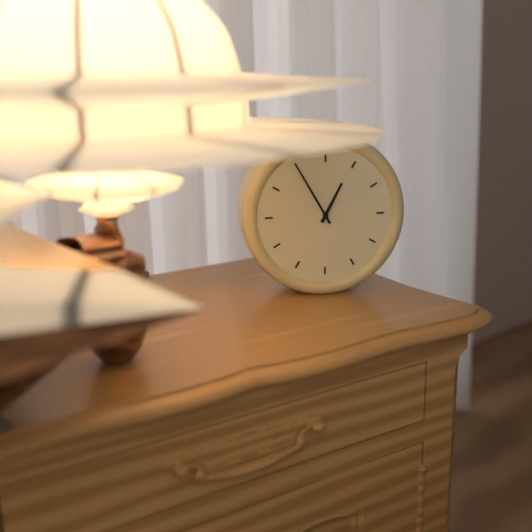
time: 12:55
